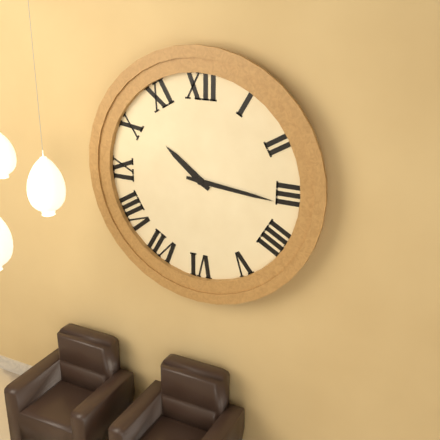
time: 10:16
